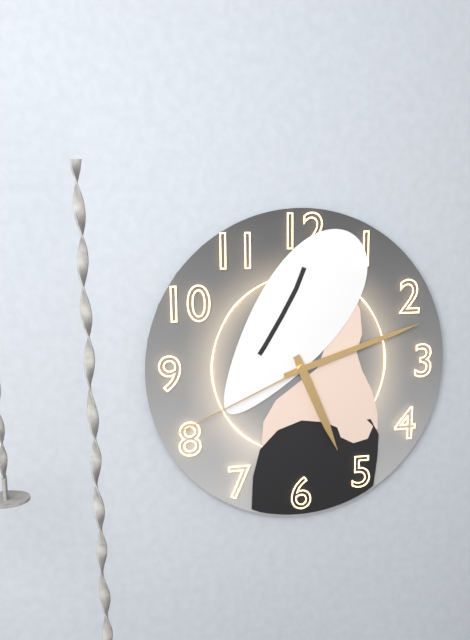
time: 5:12:41
